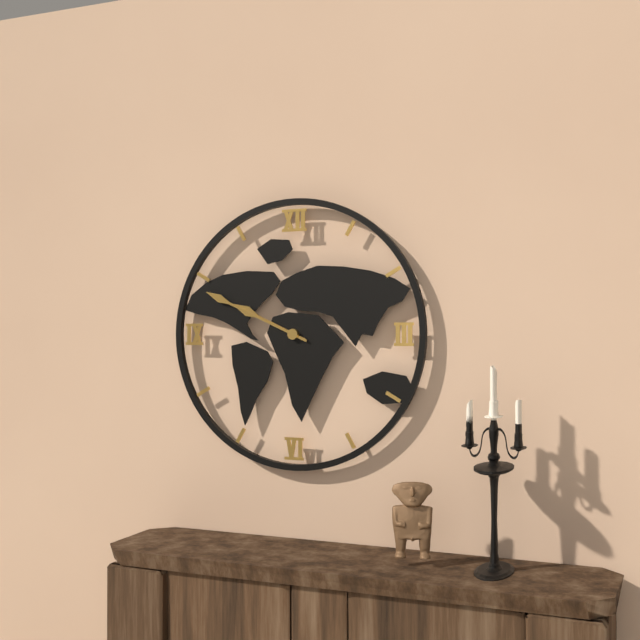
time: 9:49
